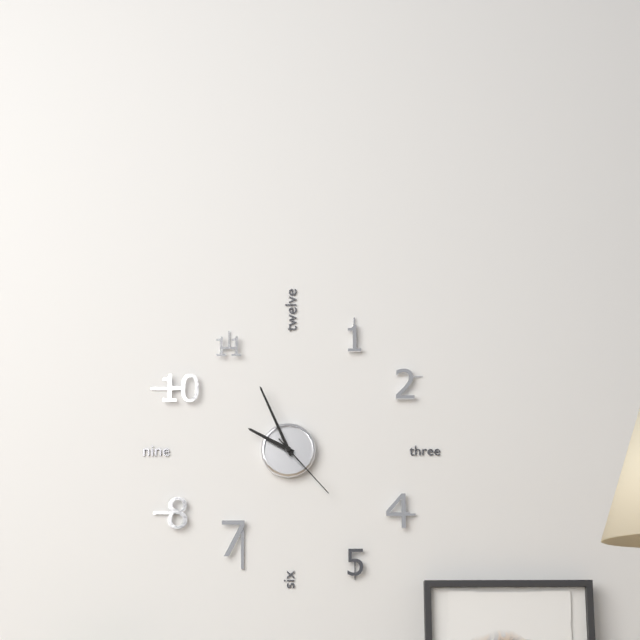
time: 9:56:23
